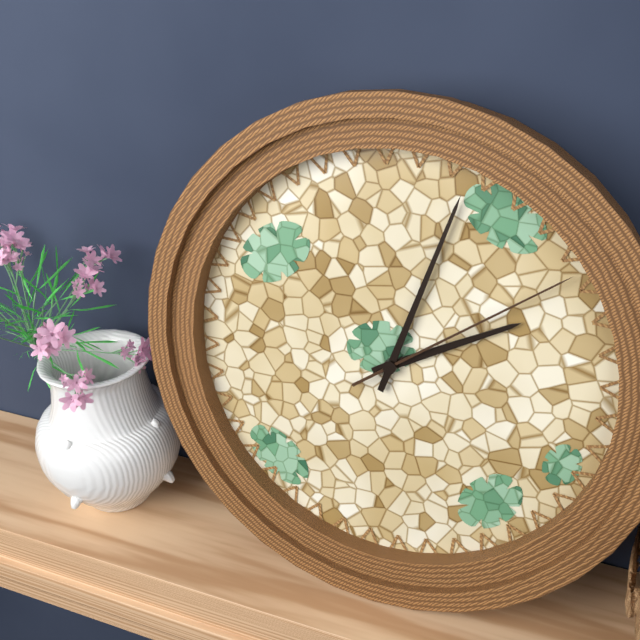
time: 2:03:09
